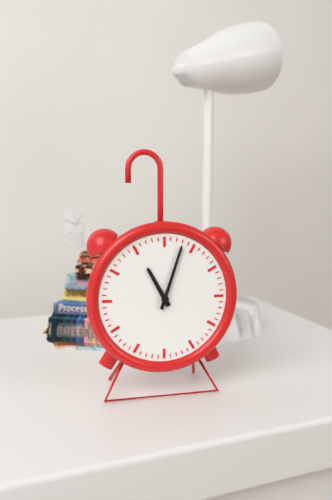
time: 11:03
